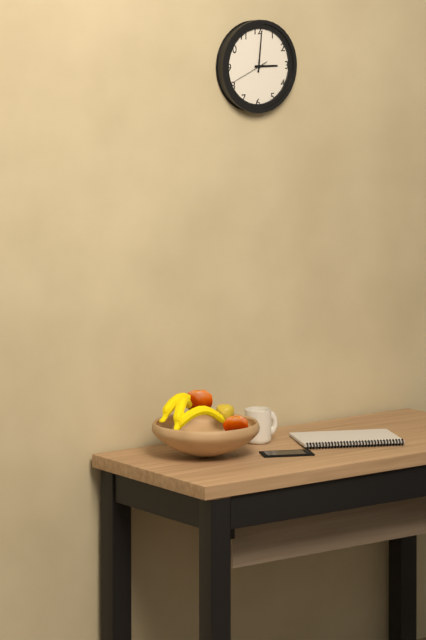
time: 3:01
